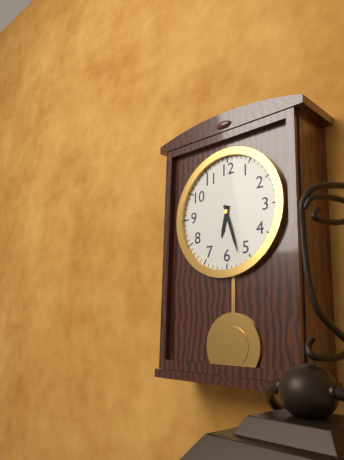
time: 6:27
